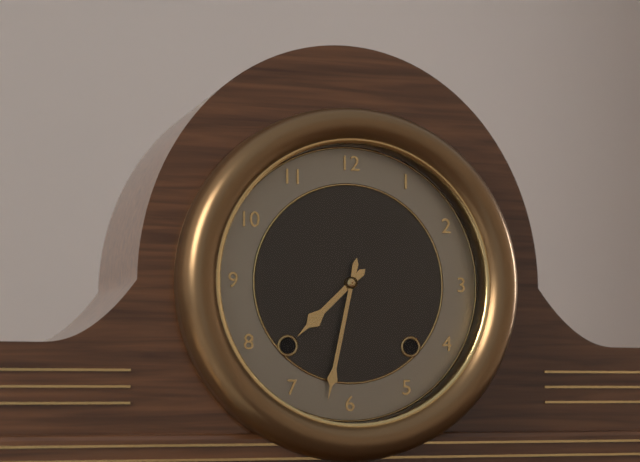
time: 7:32
